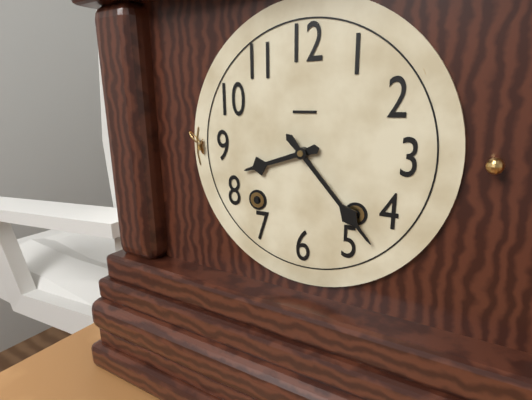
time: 8:23
